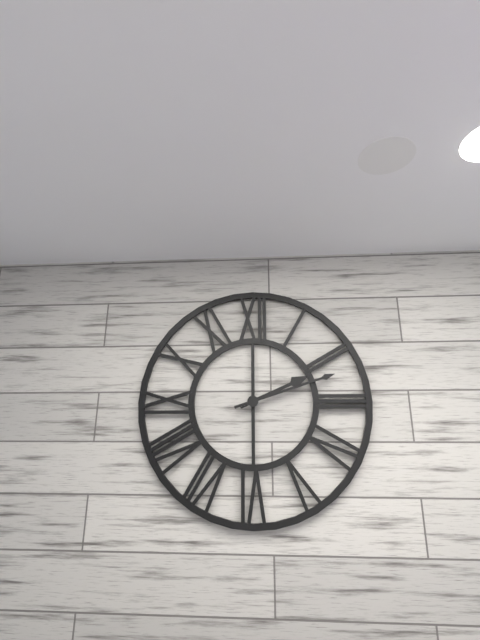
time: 2:12
